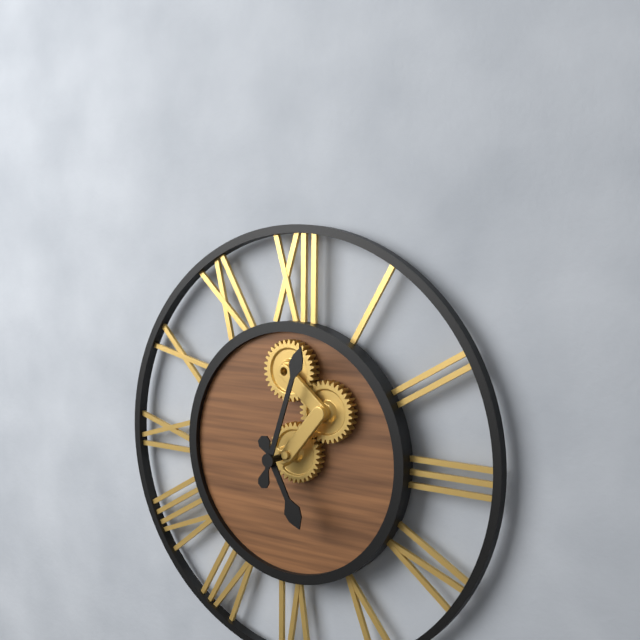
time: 5:03
